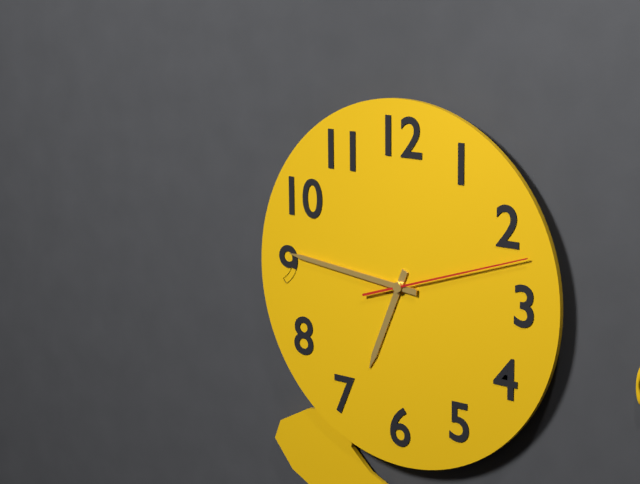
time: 6:46:12
